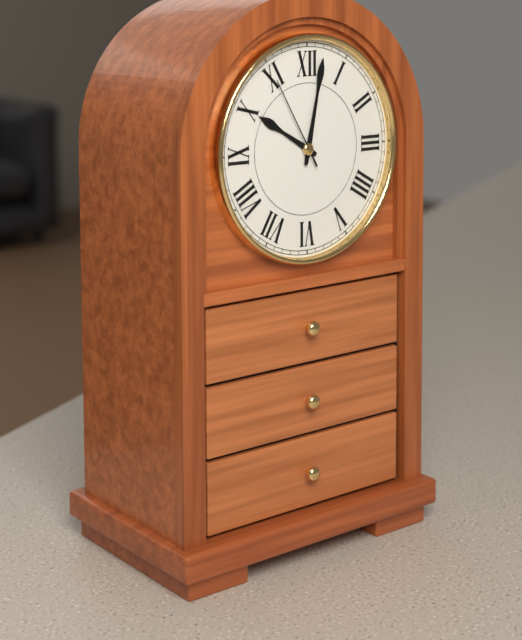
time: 10:02:55
